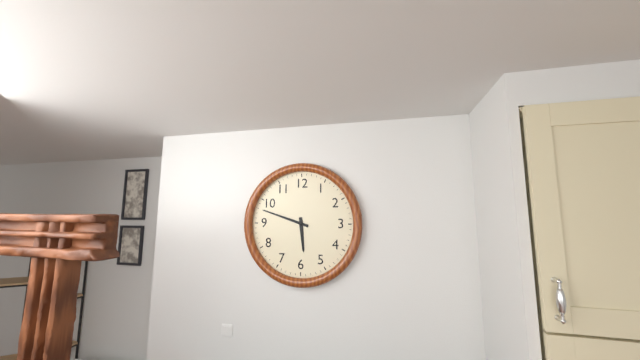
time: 5:48
